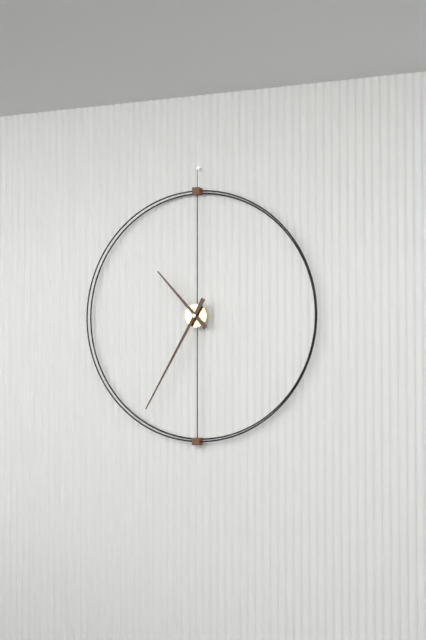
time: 10:35
